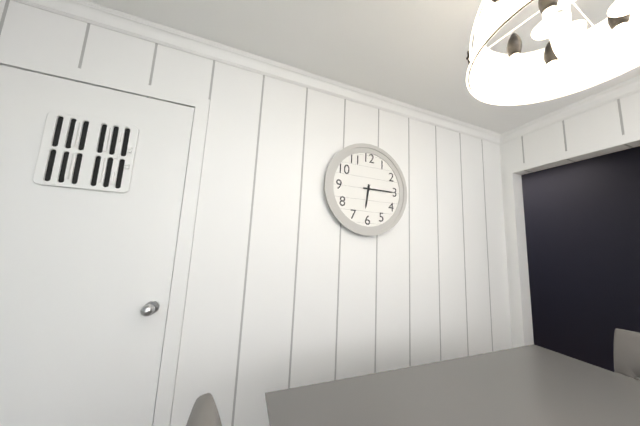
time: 6:15
